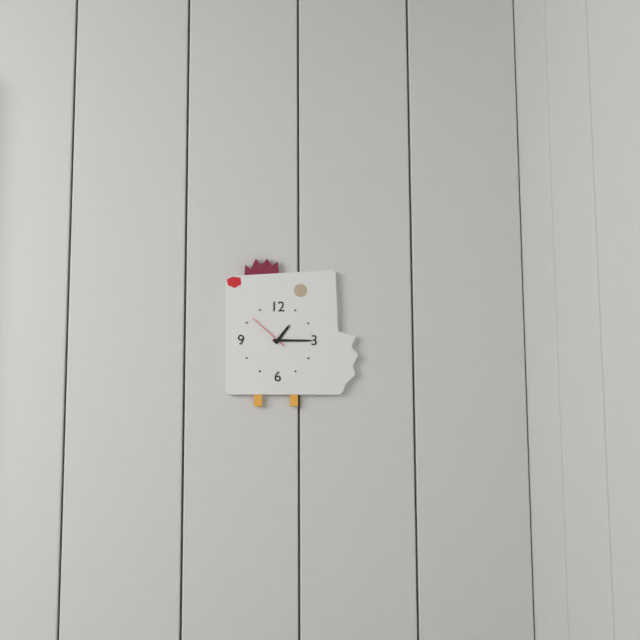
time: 1:15
